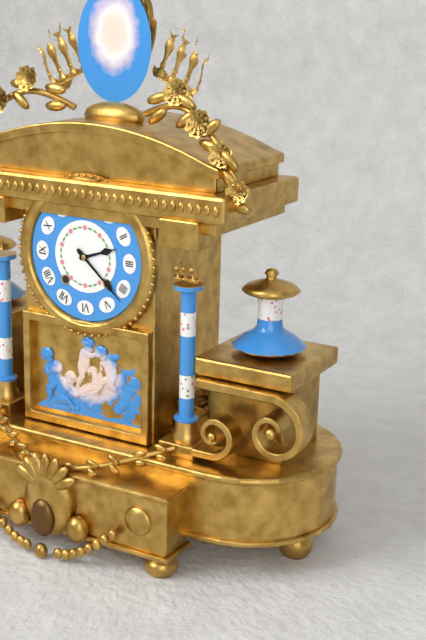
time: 2:22
